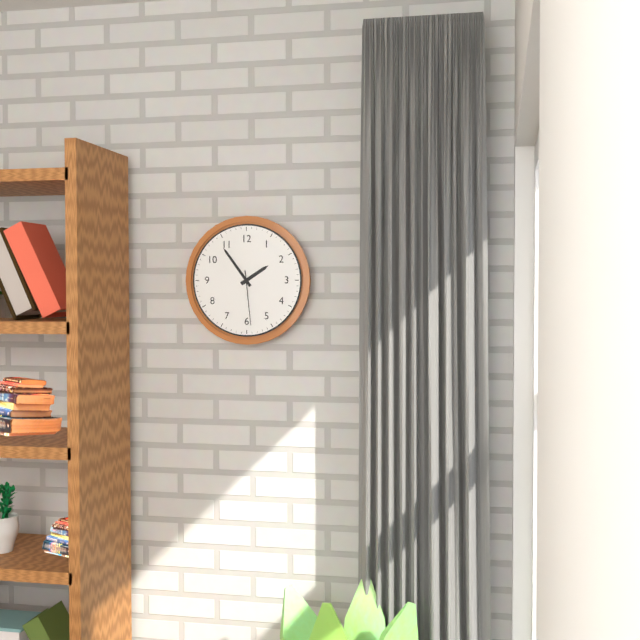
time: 1:54:29
